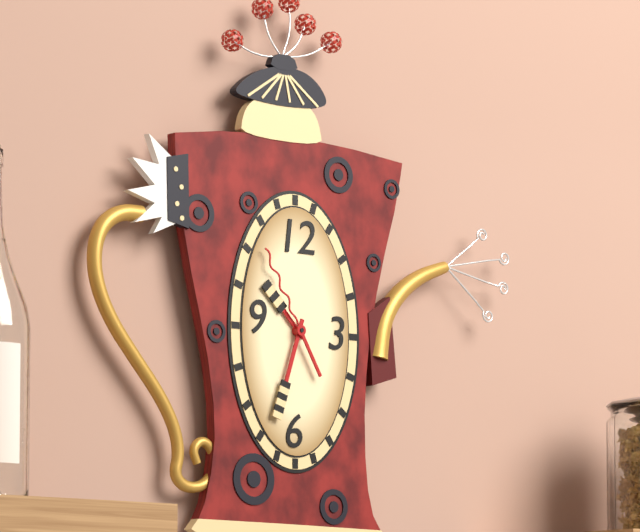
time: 10:33:55
